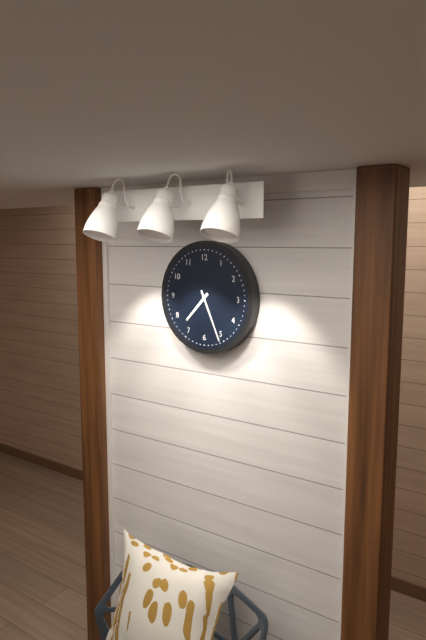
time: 7:26
